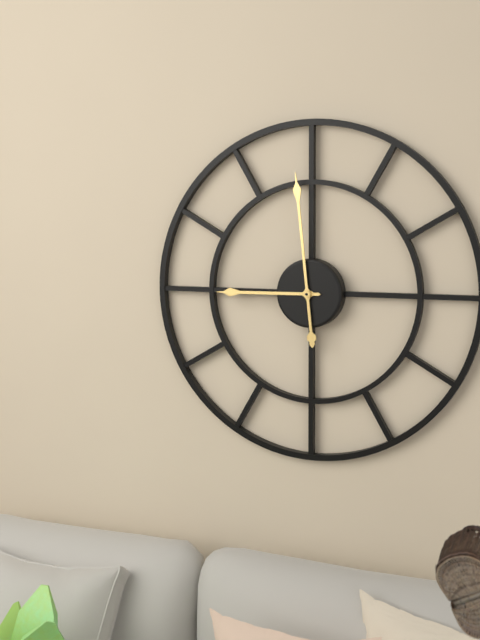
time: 8:59
